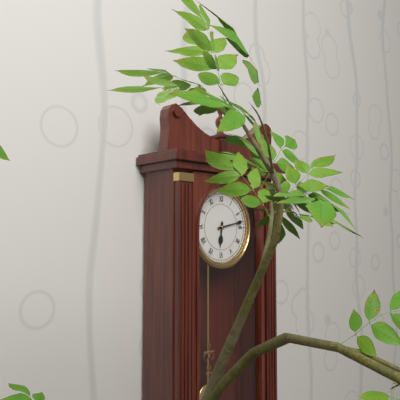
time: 6:13
